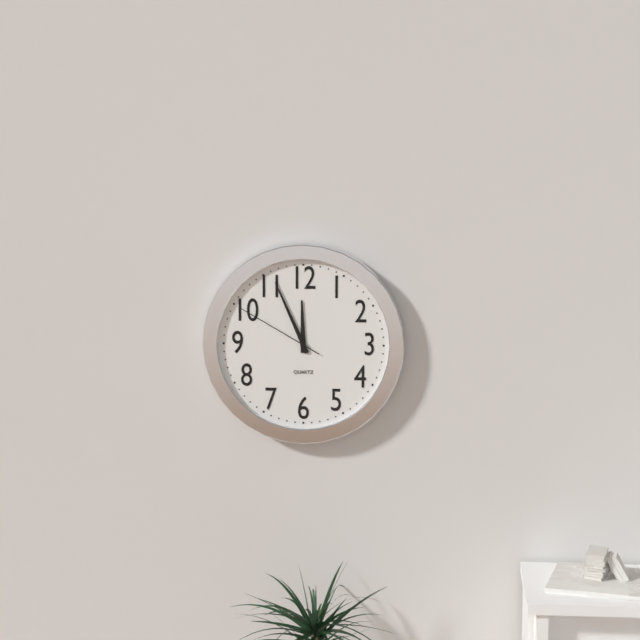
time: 11:56:50
